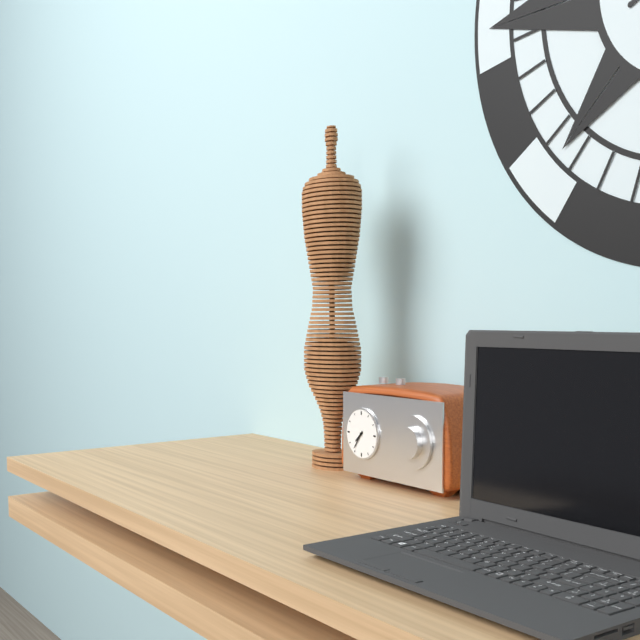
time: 7:36
